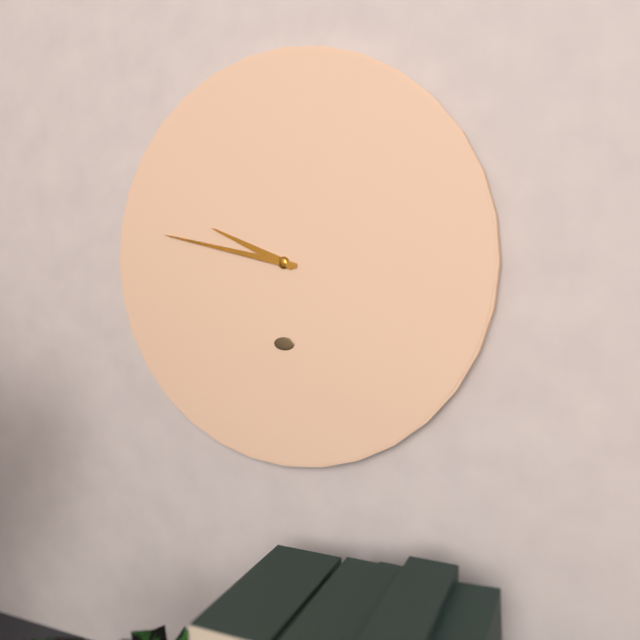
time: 9:47
